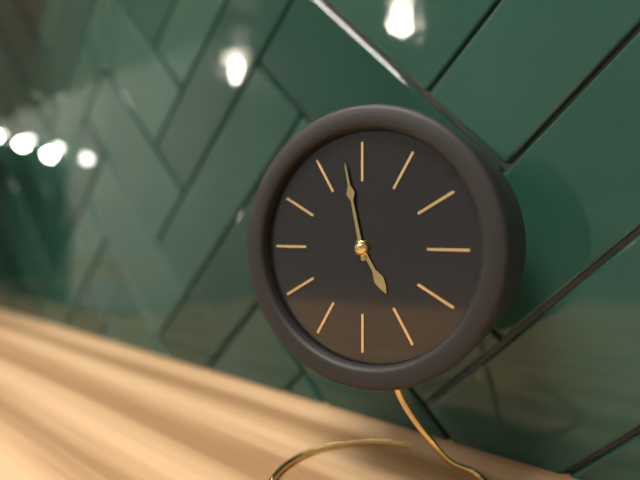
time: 4:58
